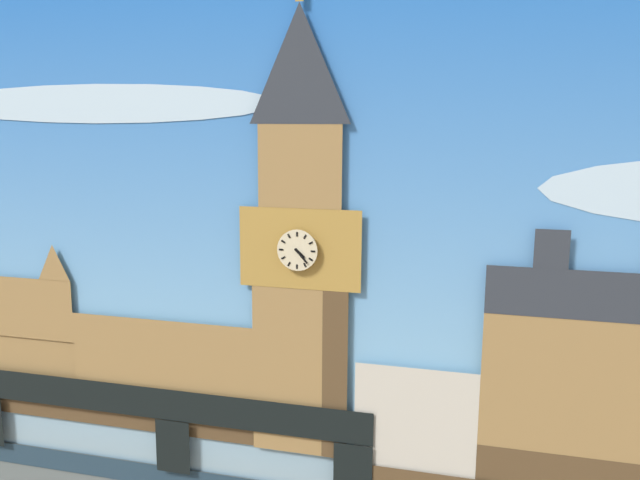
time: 4:23
